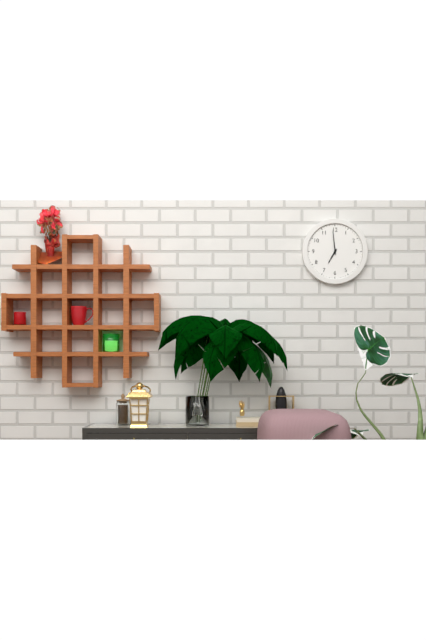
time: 6:59
